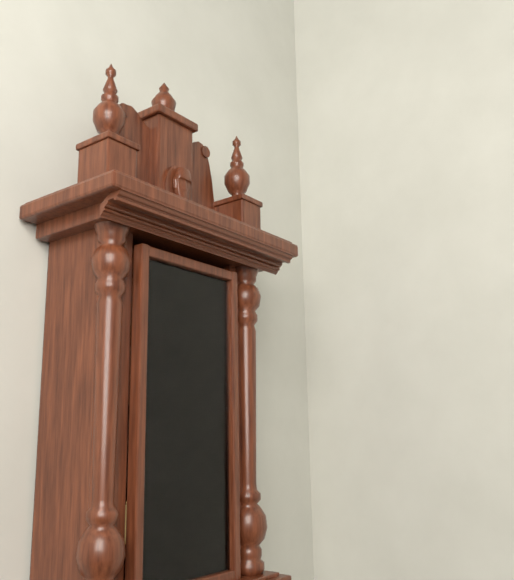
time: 11:48
